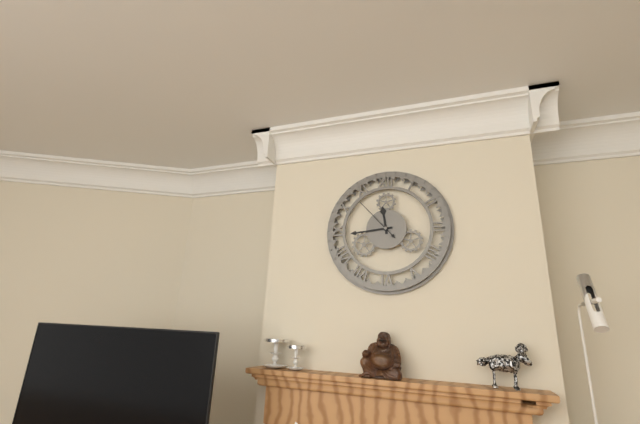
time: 11:44
